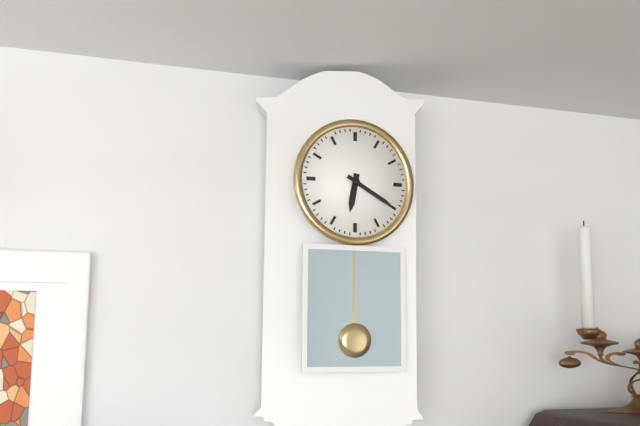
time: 6:20
